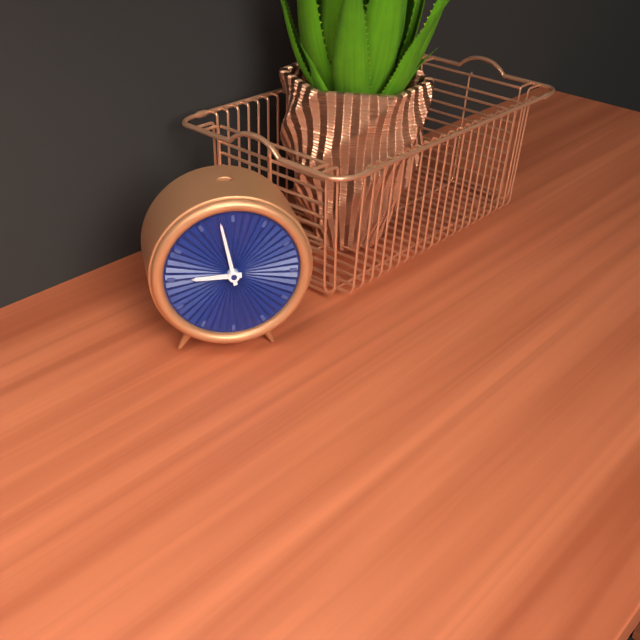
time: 8:58
